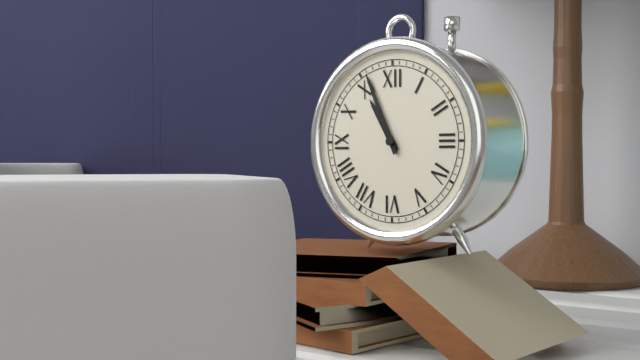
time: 10:56
